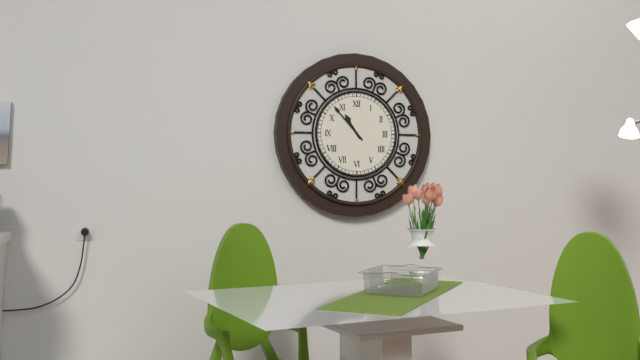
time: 10:53
